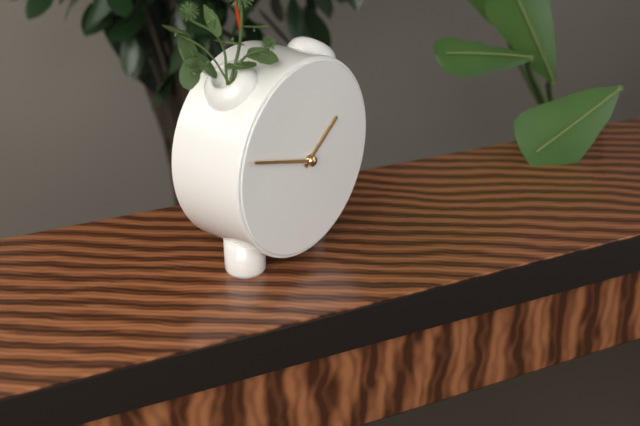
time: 1:48
